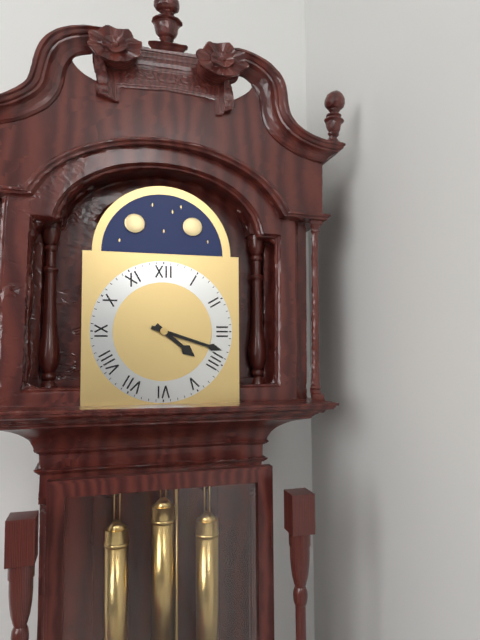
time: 4:18
